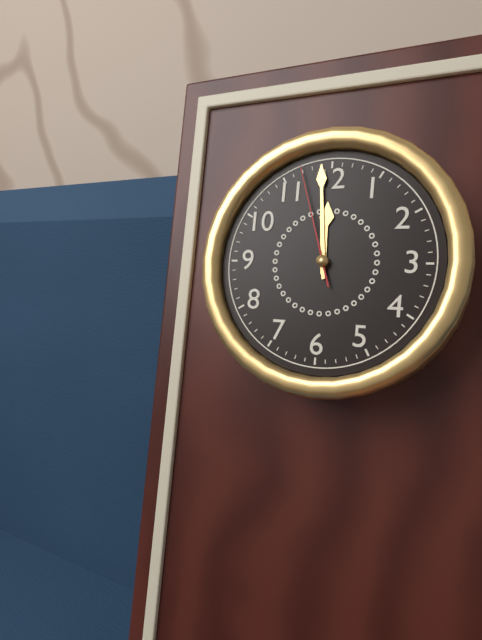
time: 11:59:57
